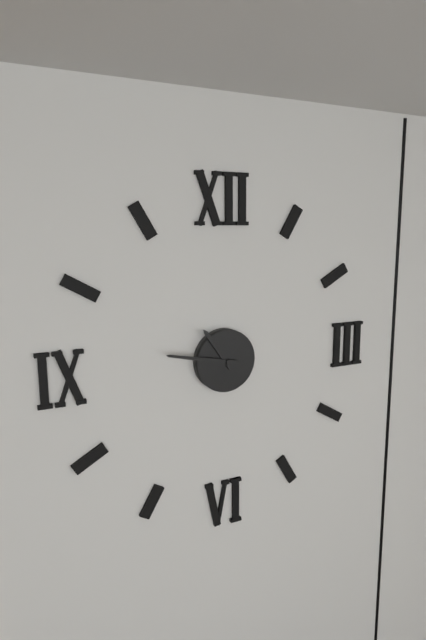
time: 10:47
